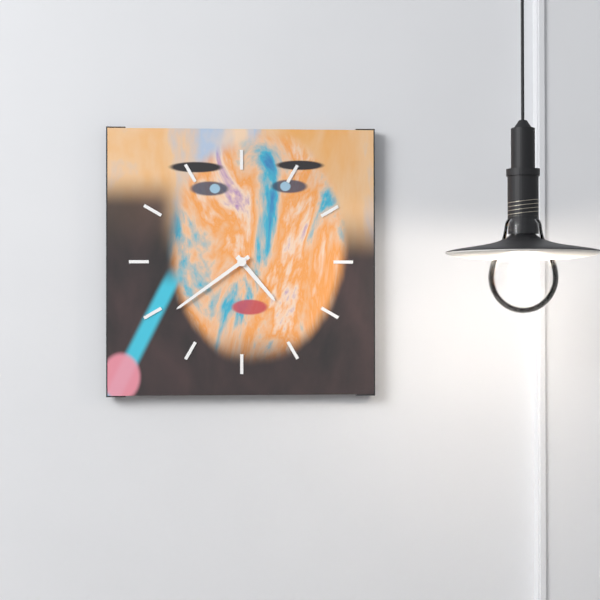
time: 4:39
